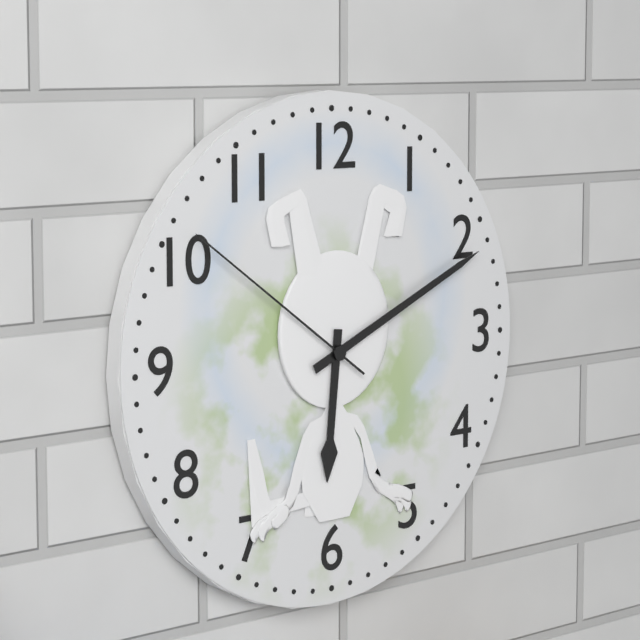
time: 6:11:51
